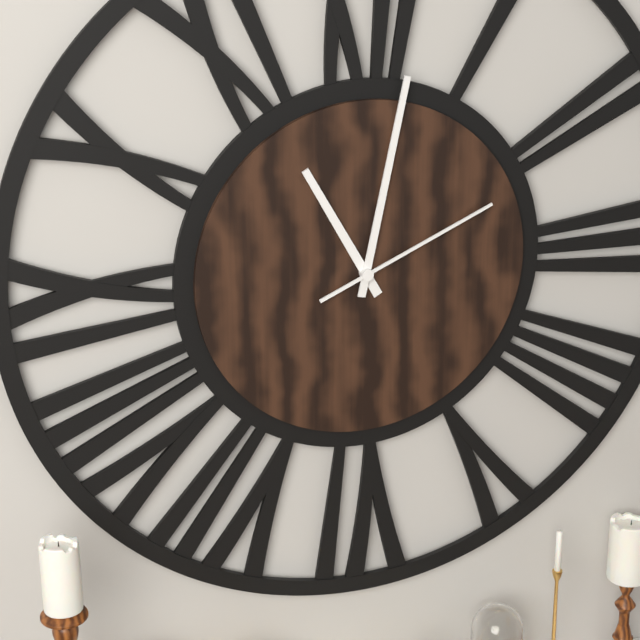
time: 11:02:11
